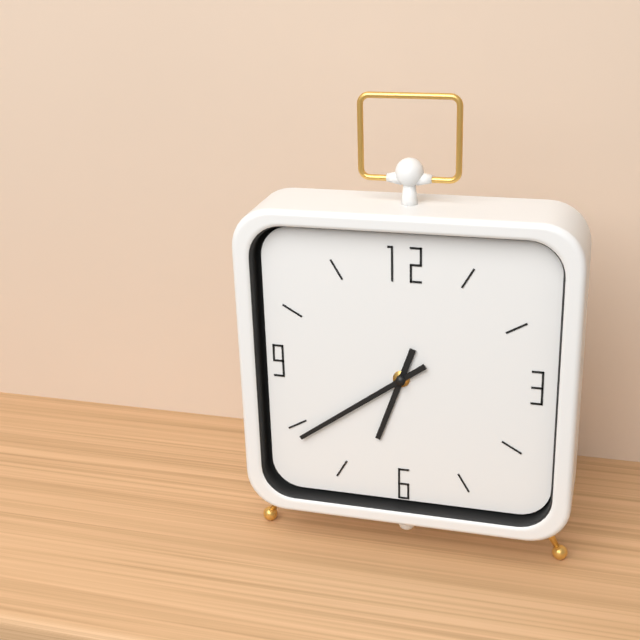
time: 6:39
